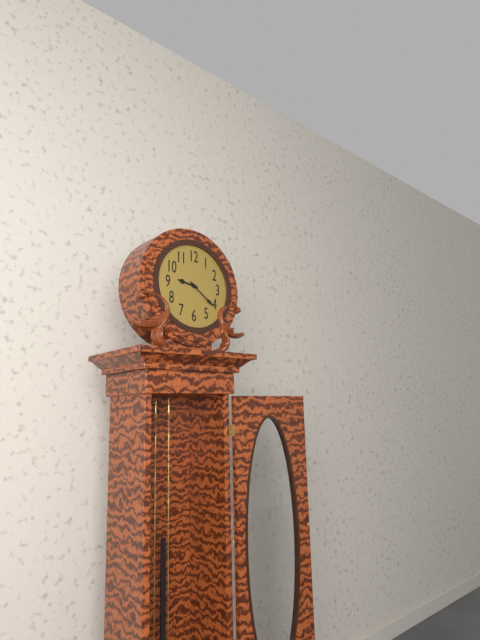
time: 9:21
